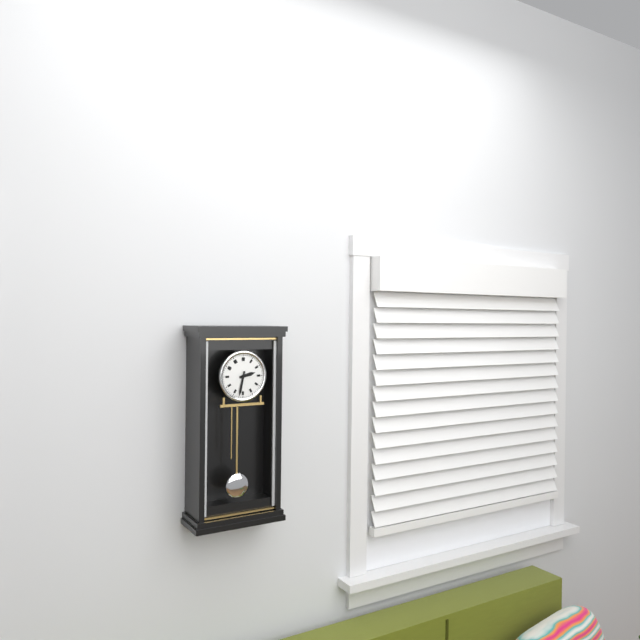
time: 2:32
